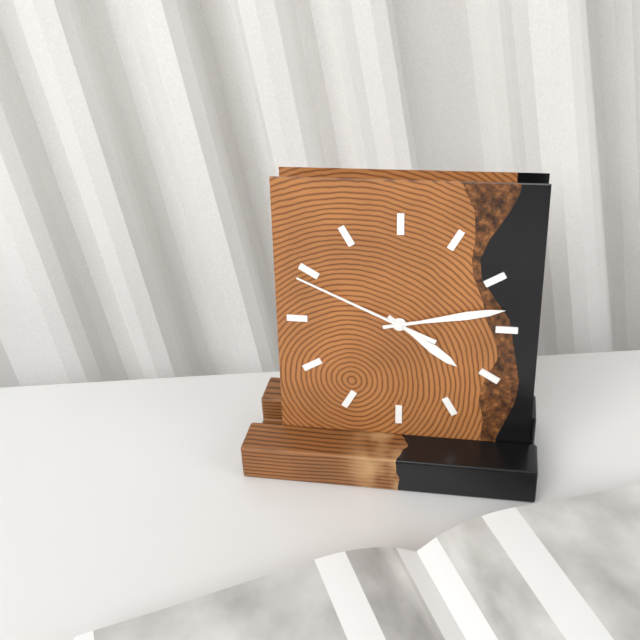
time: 4:13:49
